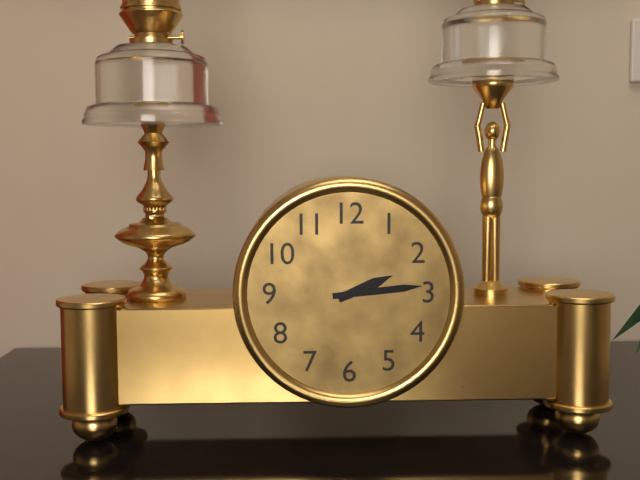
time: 2:14
